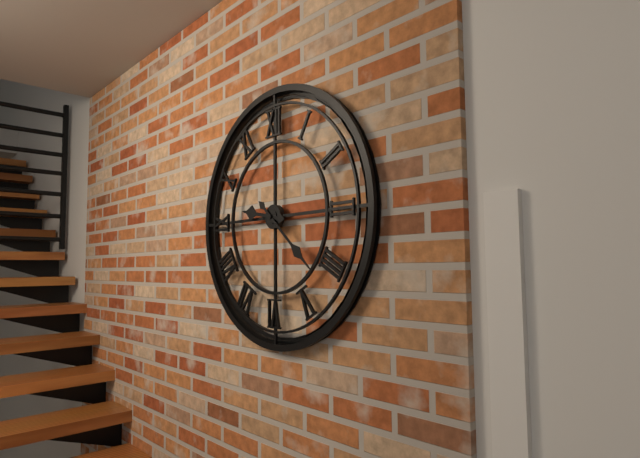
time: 9:22
